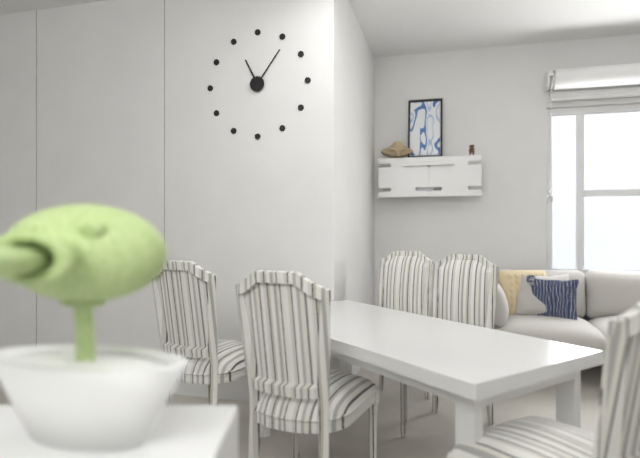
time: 11:06
